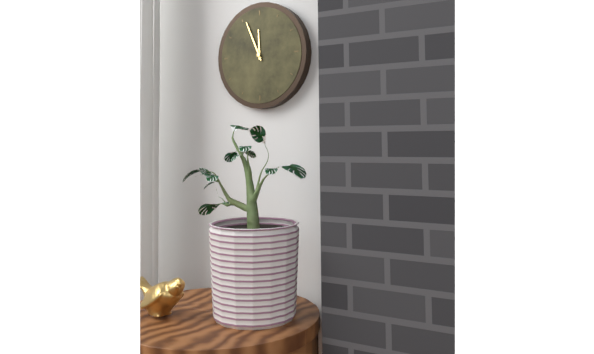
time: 11:56
